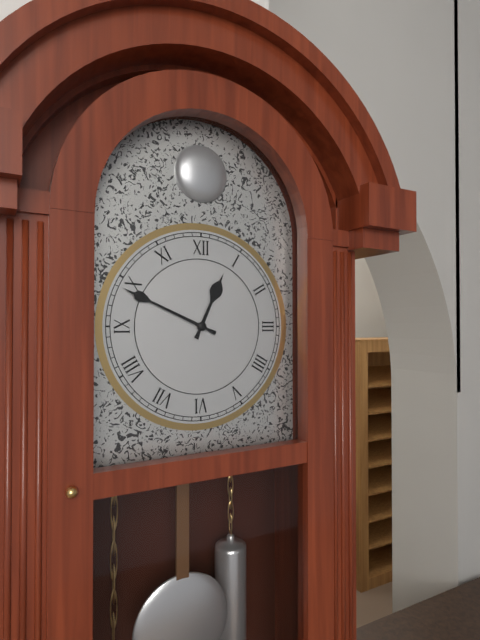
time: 12:49
